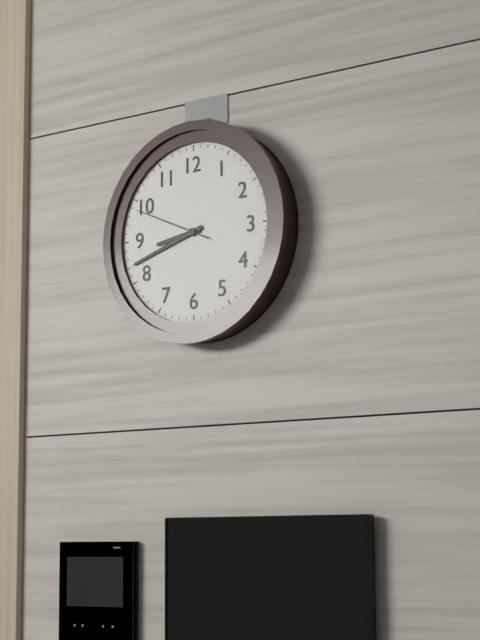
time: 8:42:49
